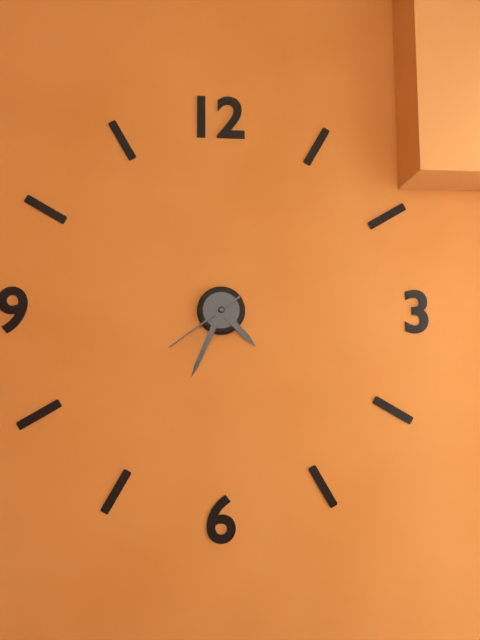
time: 4:34:39
